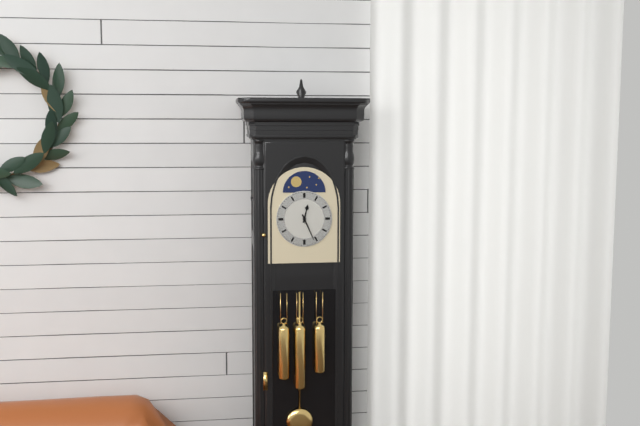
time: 12:26
